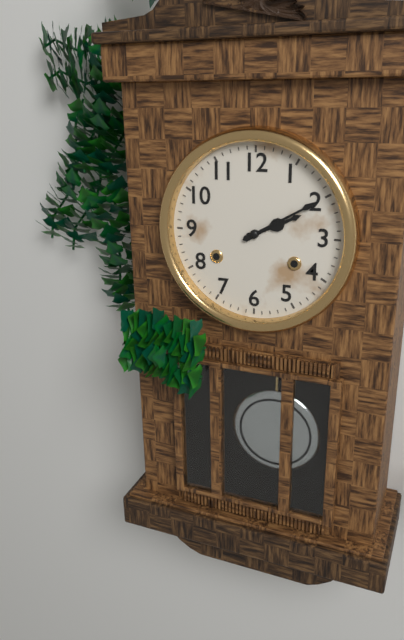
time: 2:10
